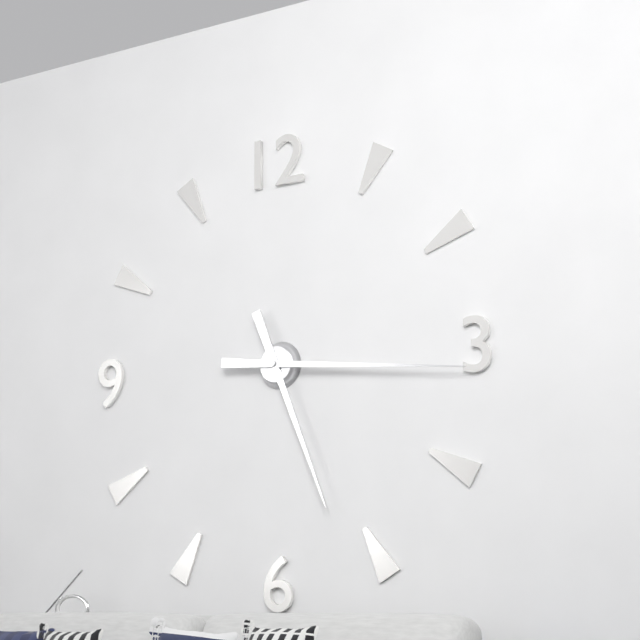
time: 5:16
